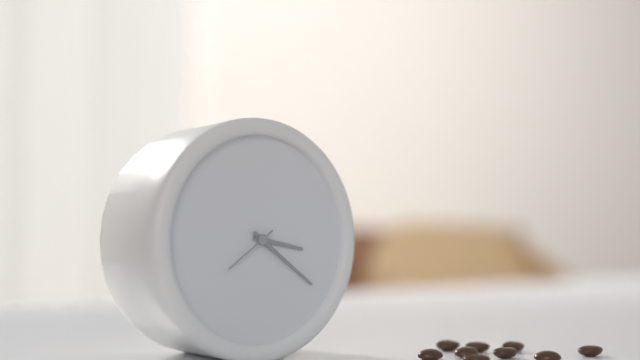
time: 3:21:39
